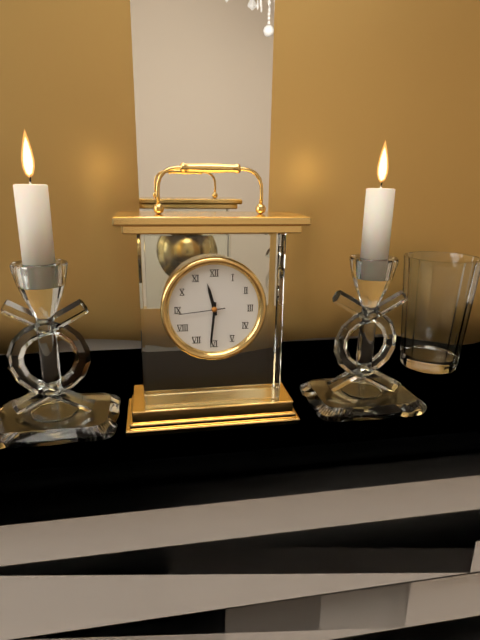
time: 11:31
